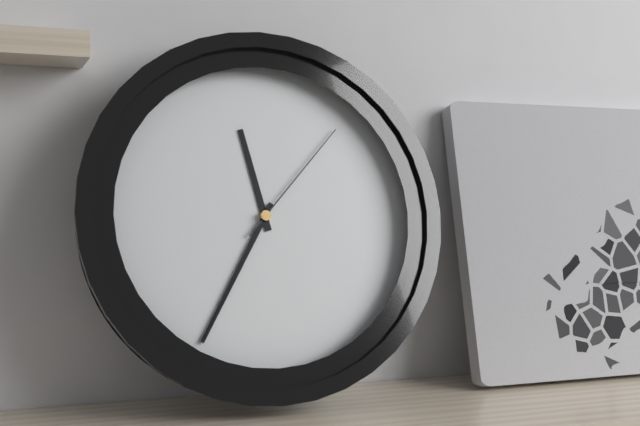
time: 11:35:07
